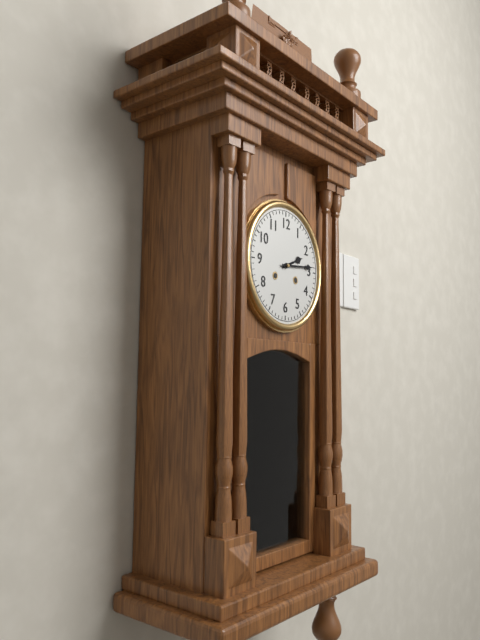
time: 2:14
